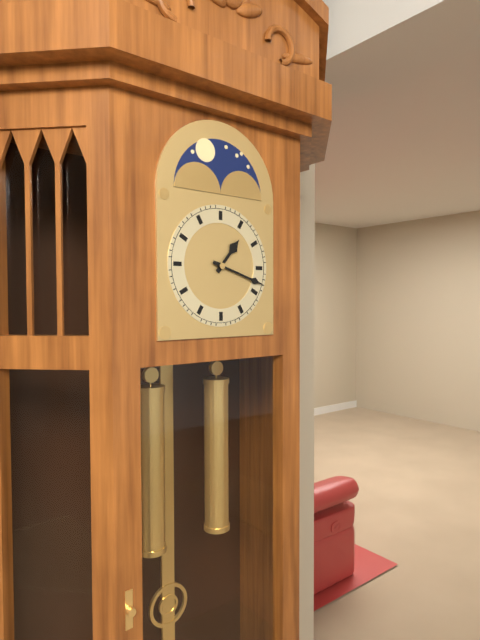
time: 1:18
